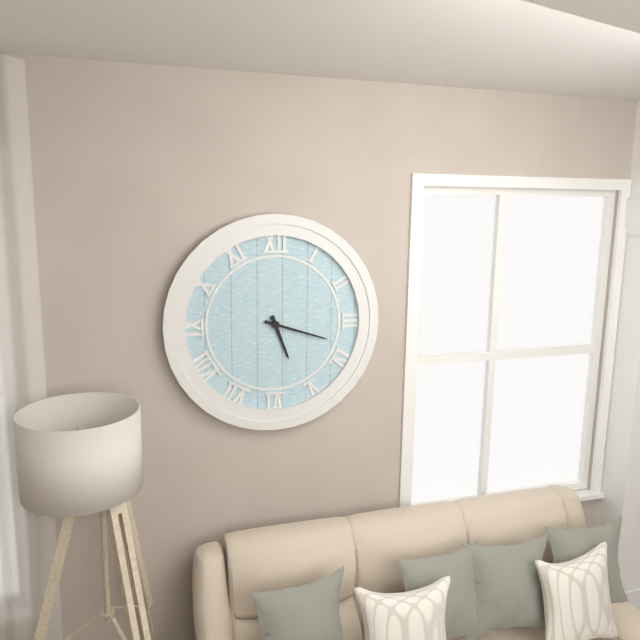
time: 5:18
